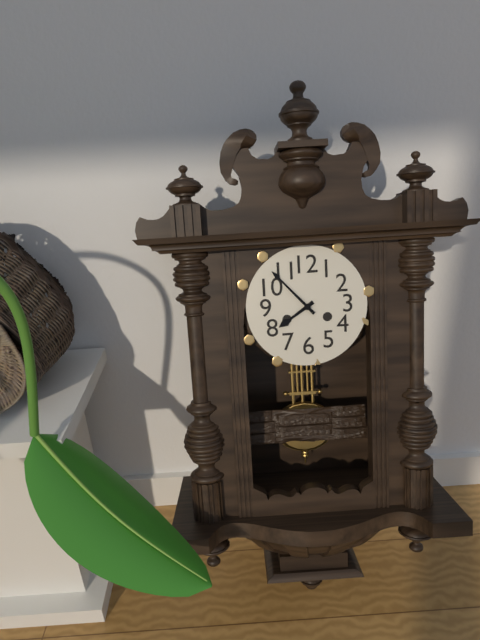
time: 7:53
